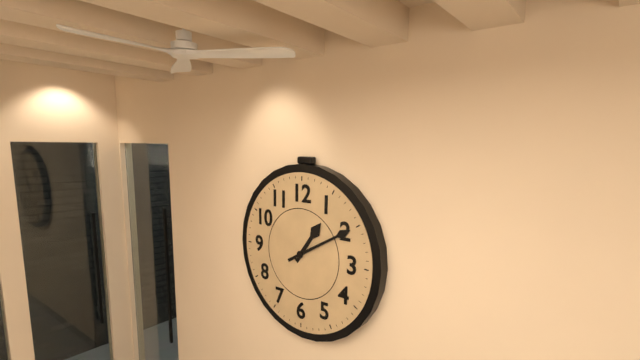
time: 1:10
